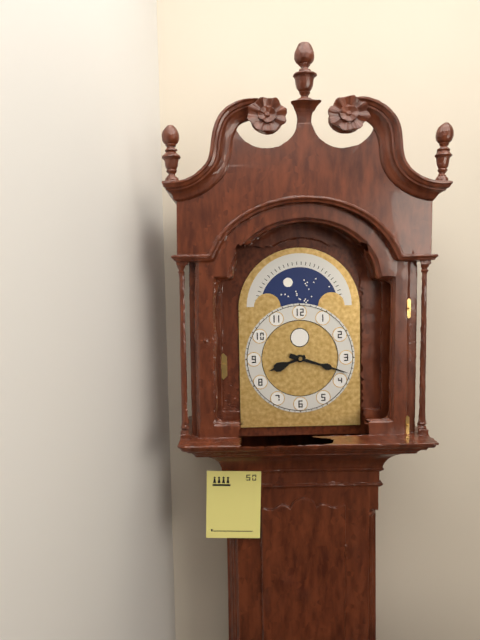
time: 8:18
